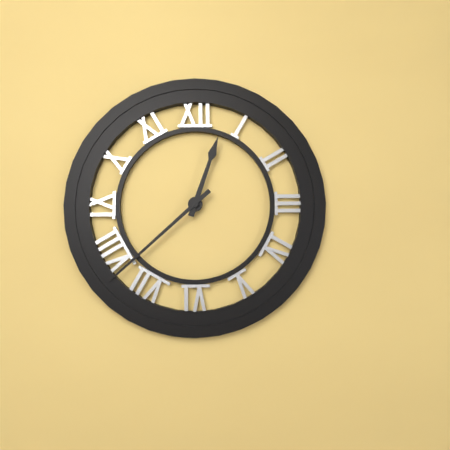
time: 12:38
